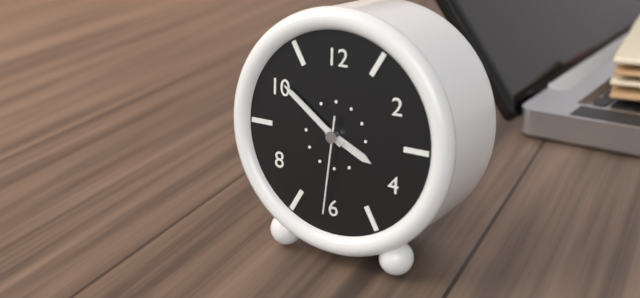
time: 3:51:31
